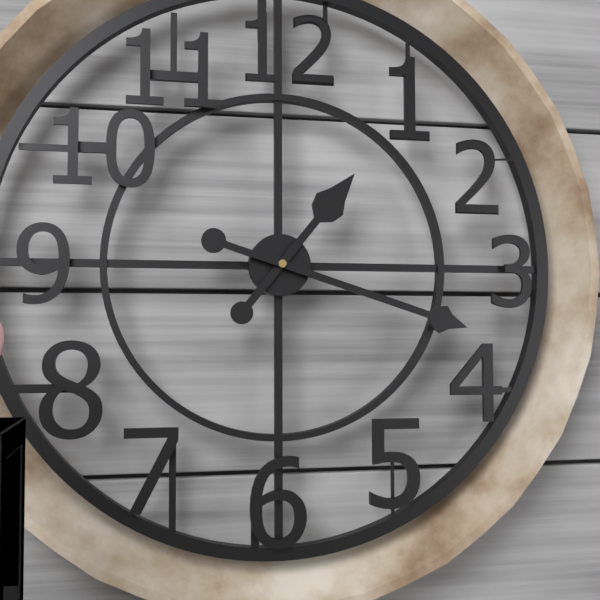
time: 1:18
